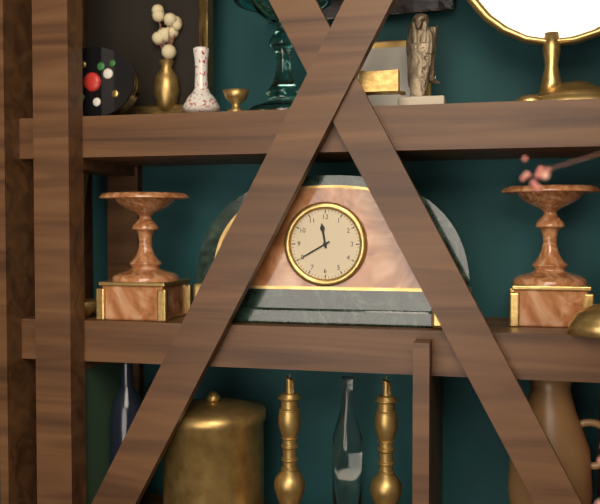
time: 11:40
